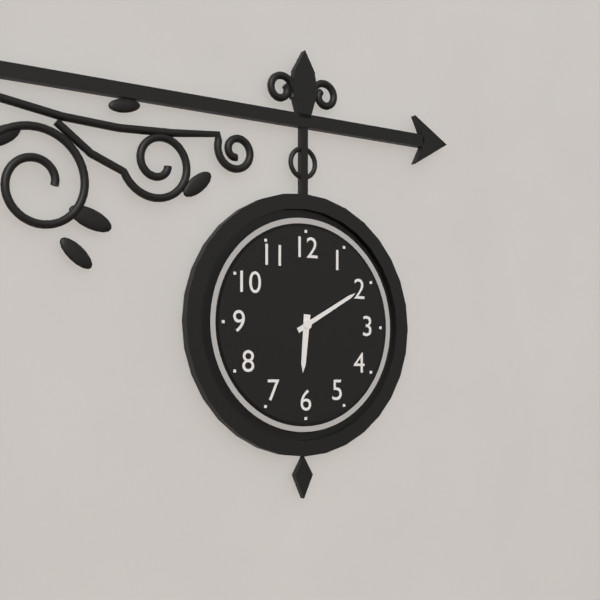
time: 6:10
